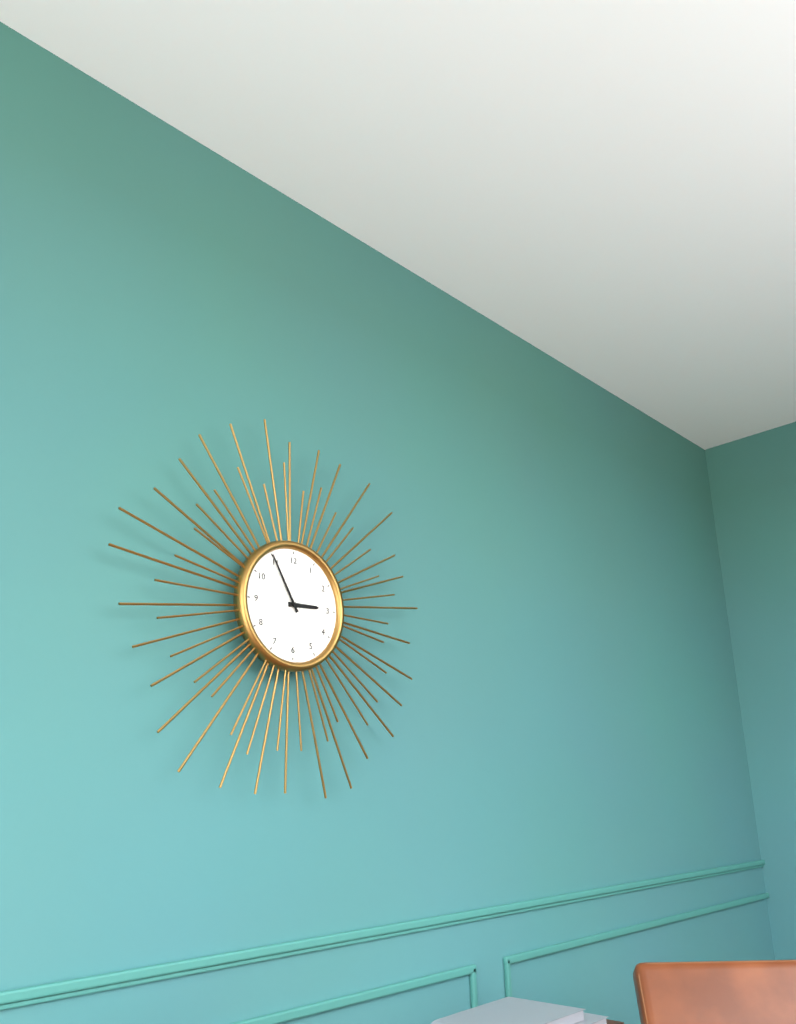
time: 2:55
